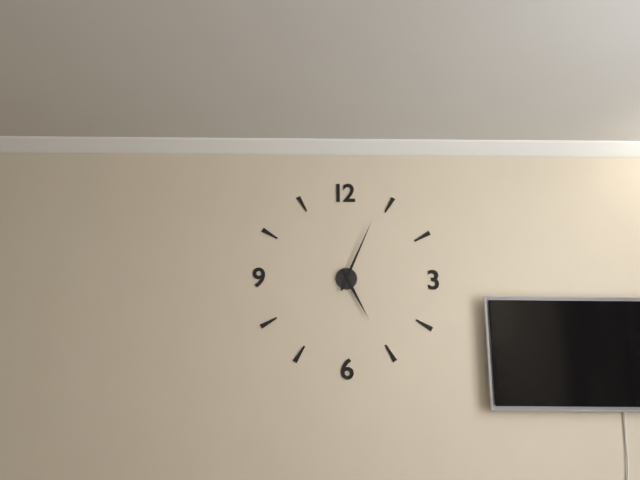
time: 5:04
